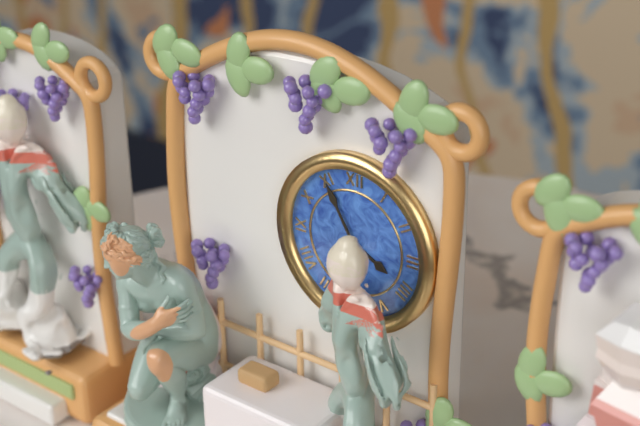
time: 3:55
